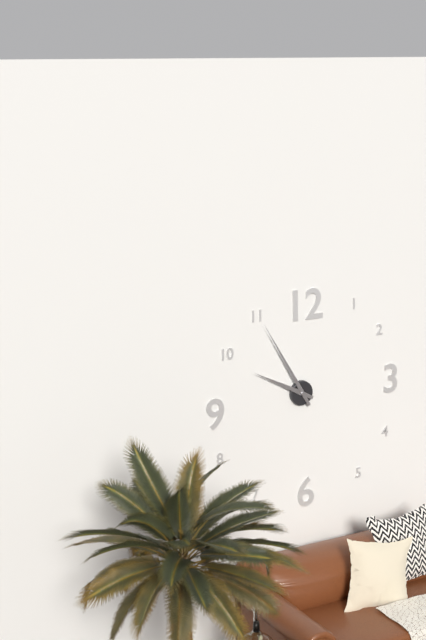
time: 9:55
